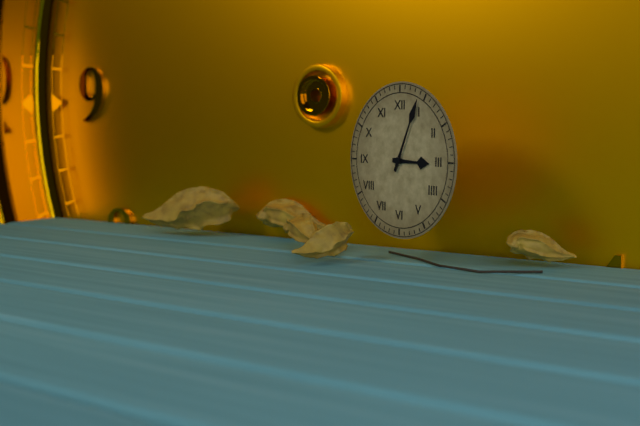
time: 3:04
